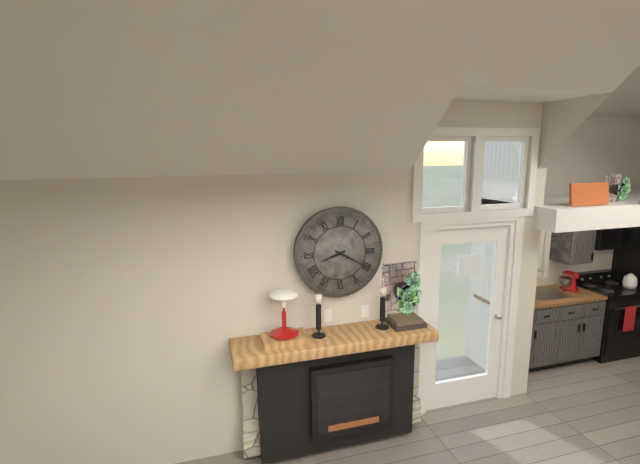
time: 8:20
